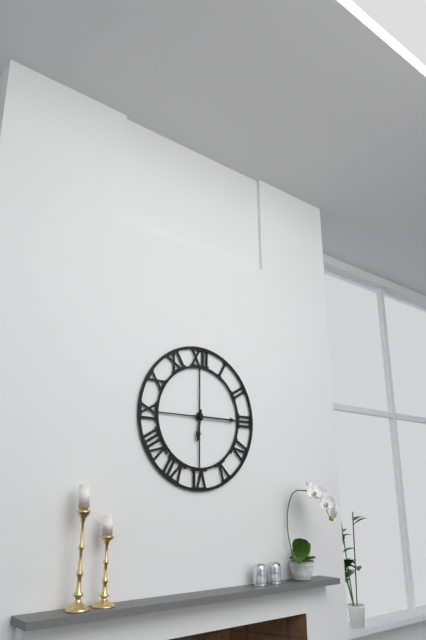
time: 6:15
